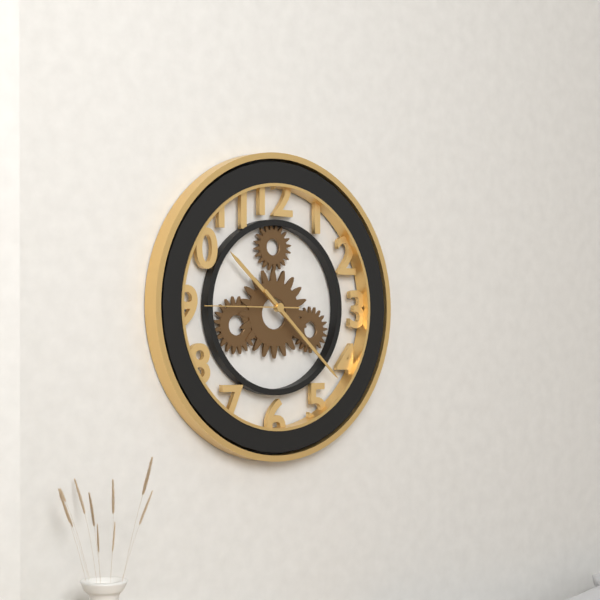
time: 10:22:45
